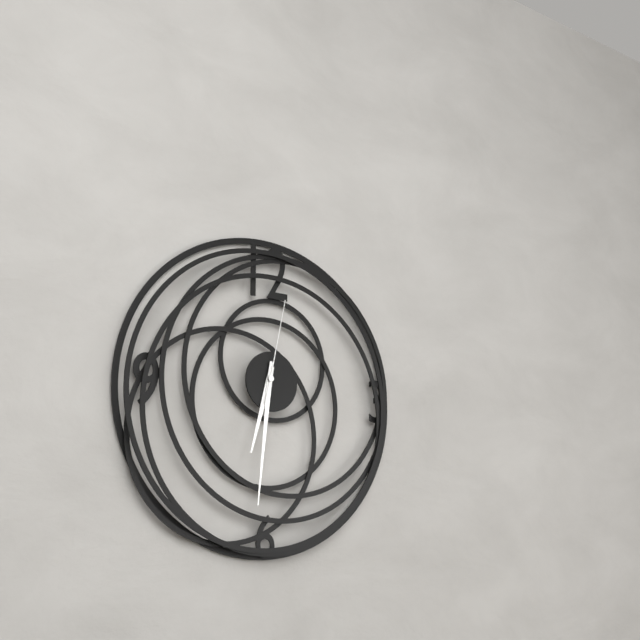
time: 6:31:02
